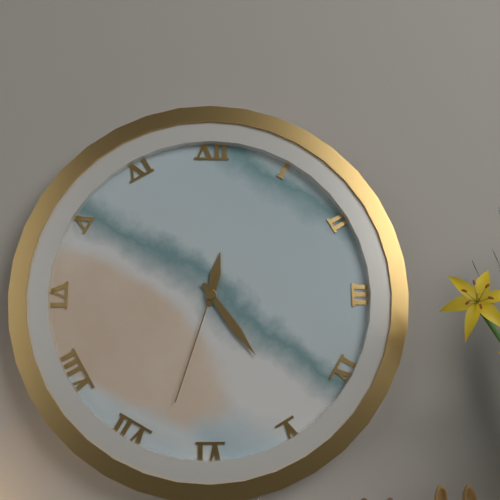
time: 12:24:33
